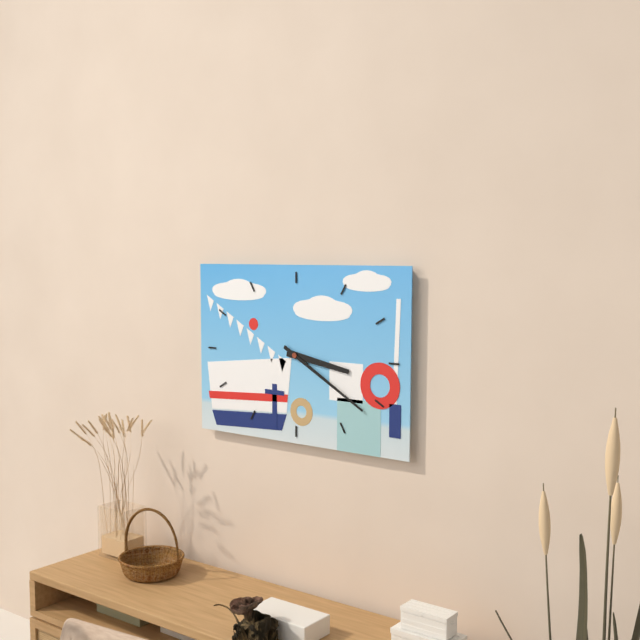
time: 3:20
